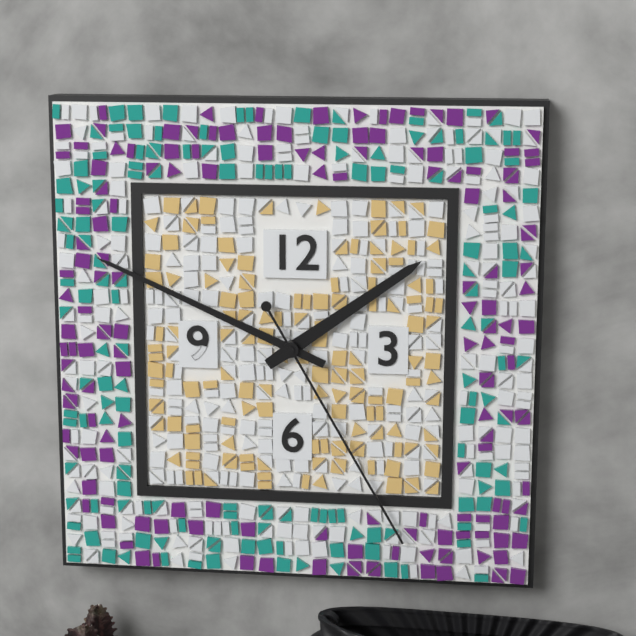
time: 1:49:25
